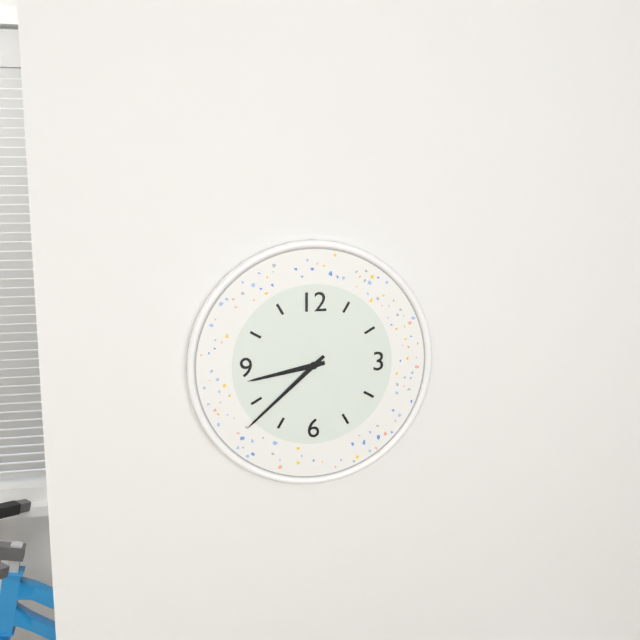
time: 8:38
